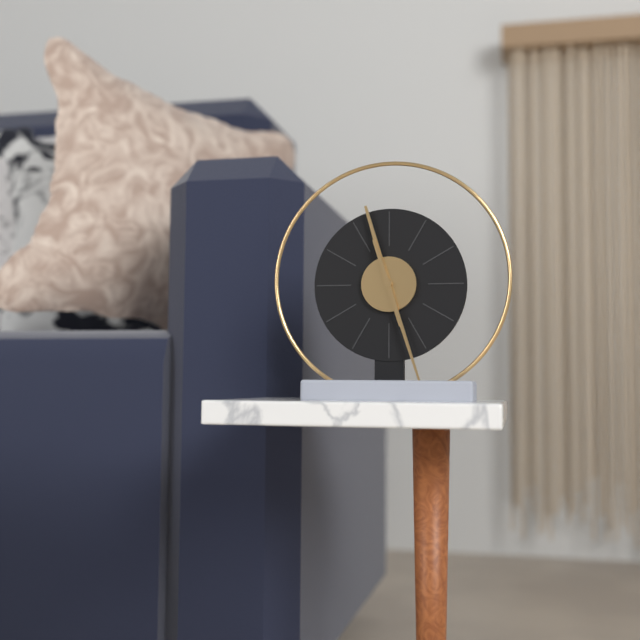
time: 11:27
